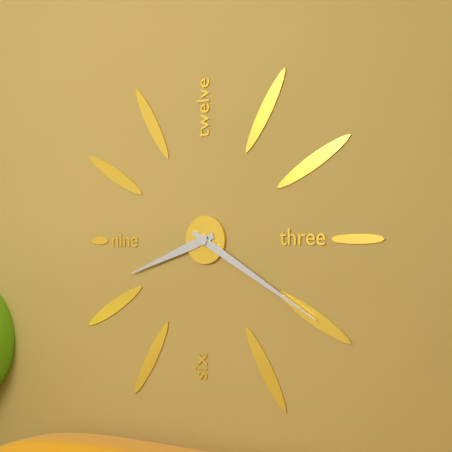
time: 8:20
